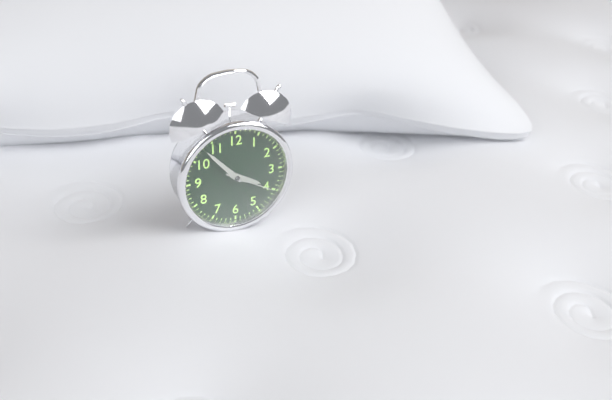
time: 3:53:20
